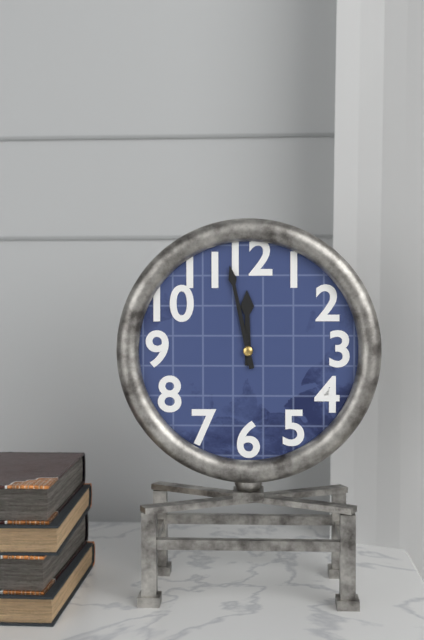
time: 11:58
